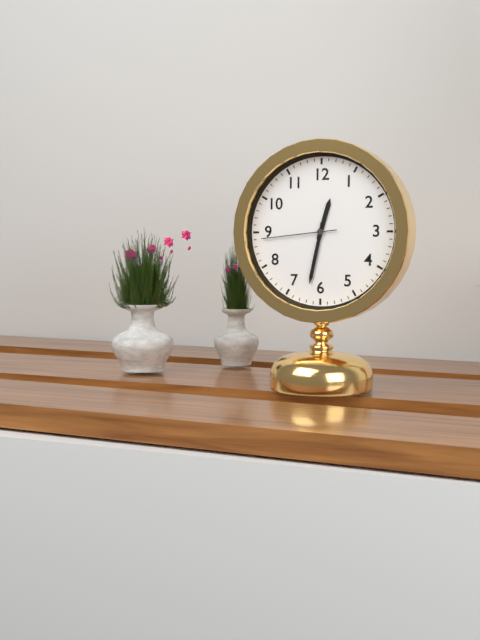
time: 12:32:44
